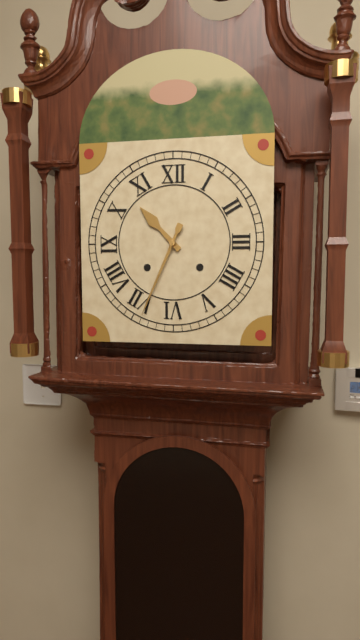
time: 10:34
